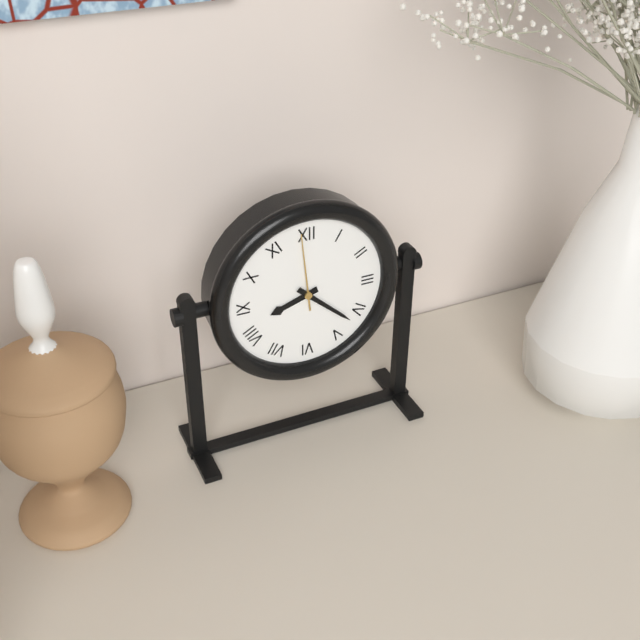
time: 8:22:59
